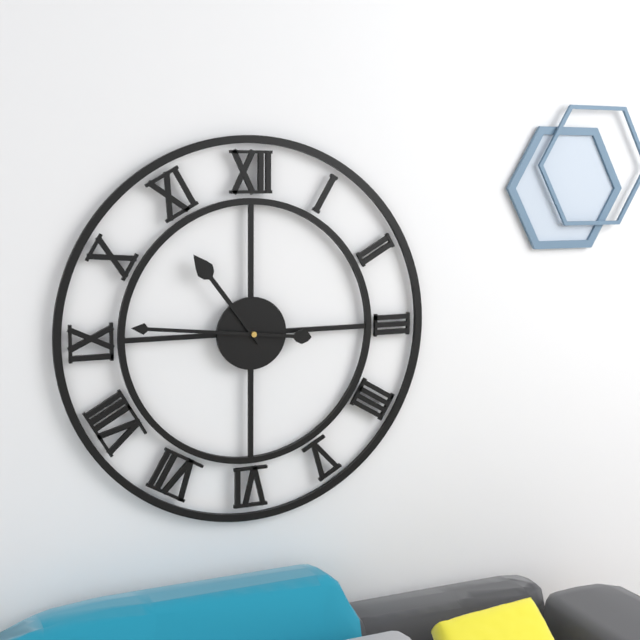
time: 10:46
